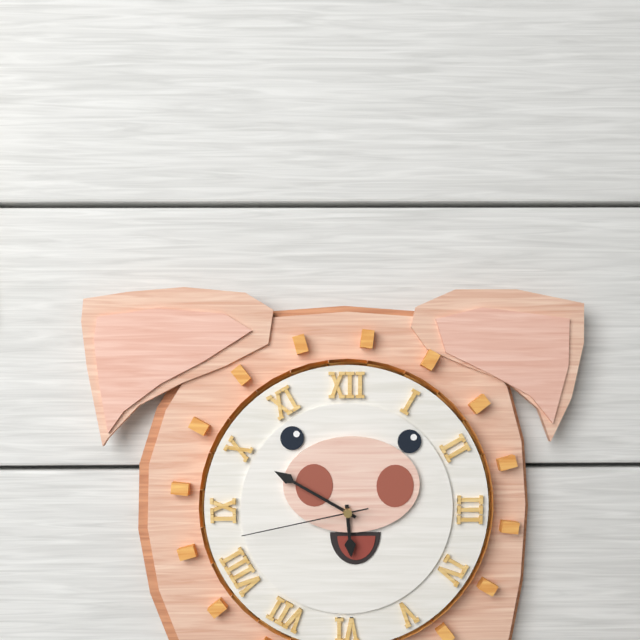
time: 5:50:43
